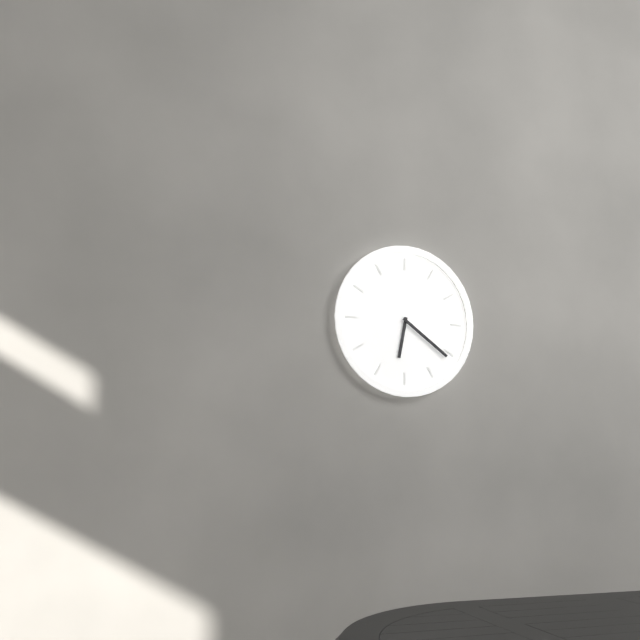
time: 6:21
